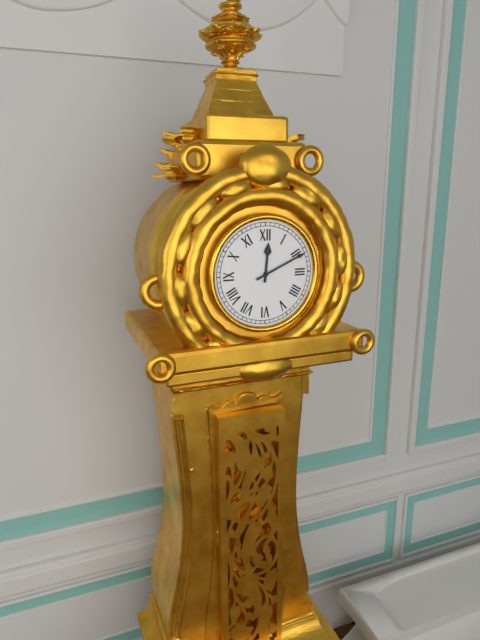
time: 12:11
